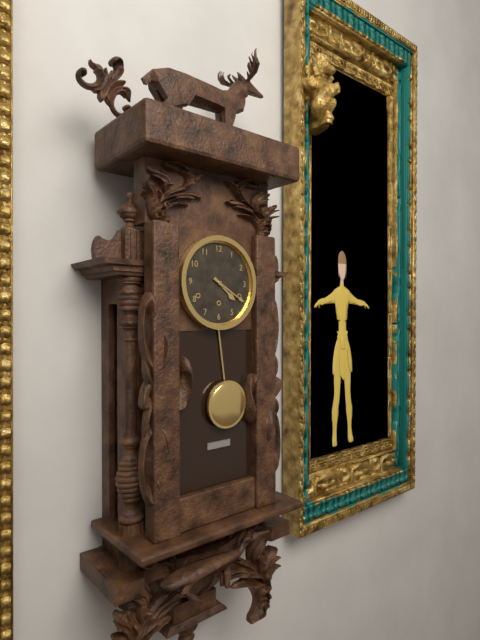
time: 4:20
